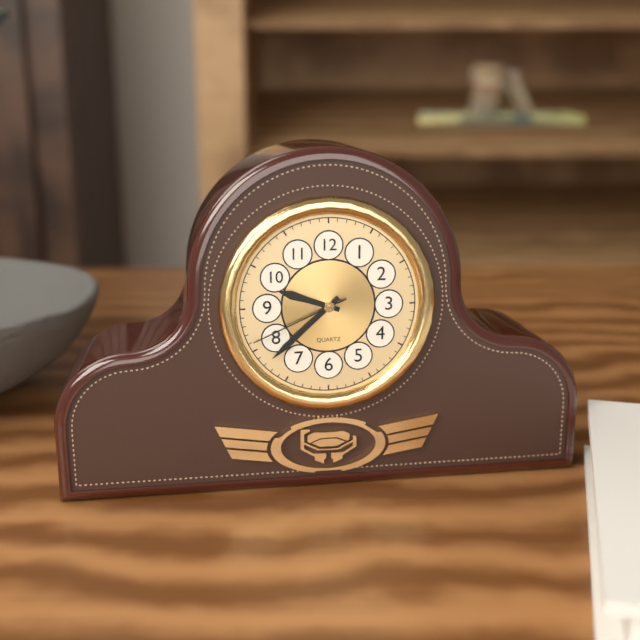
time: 9:38:41
